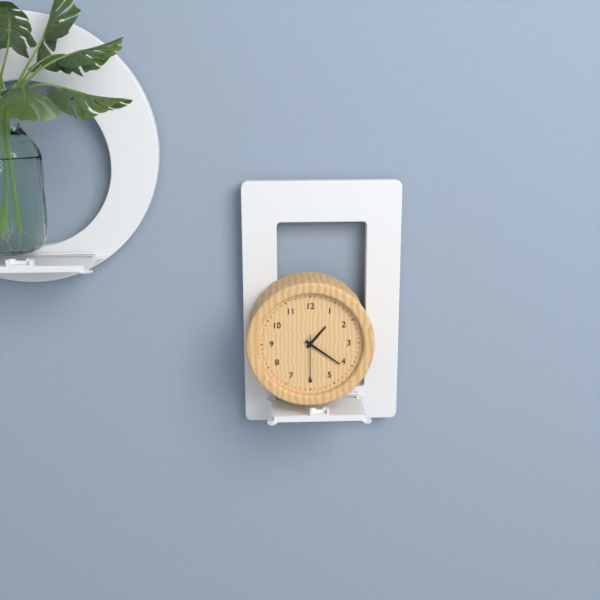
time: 1:21
